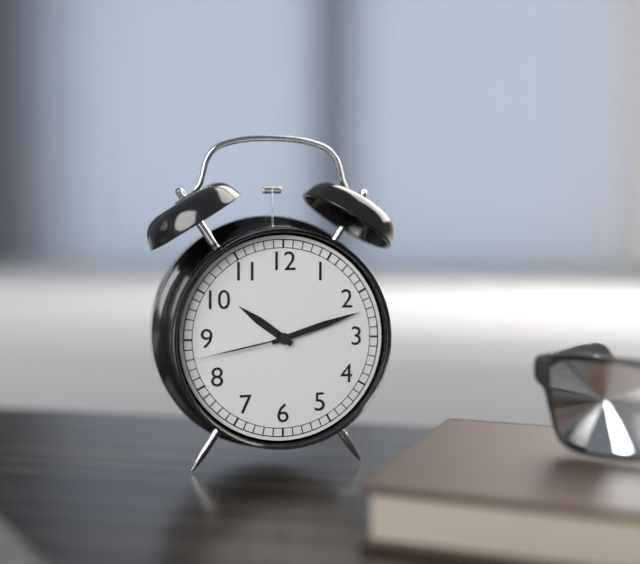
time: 10:12:43
